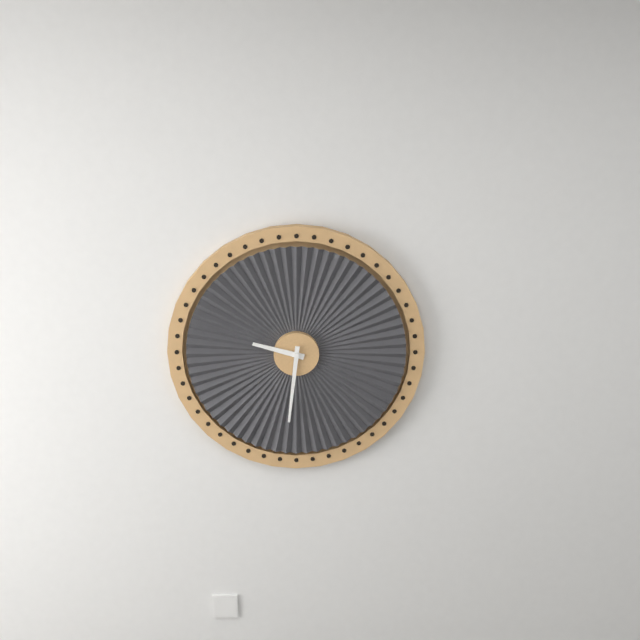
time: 9:31
